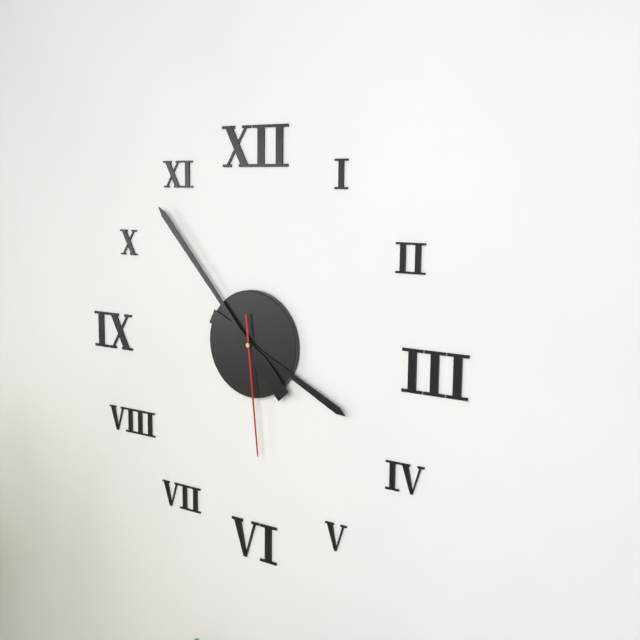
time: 3:53:29
